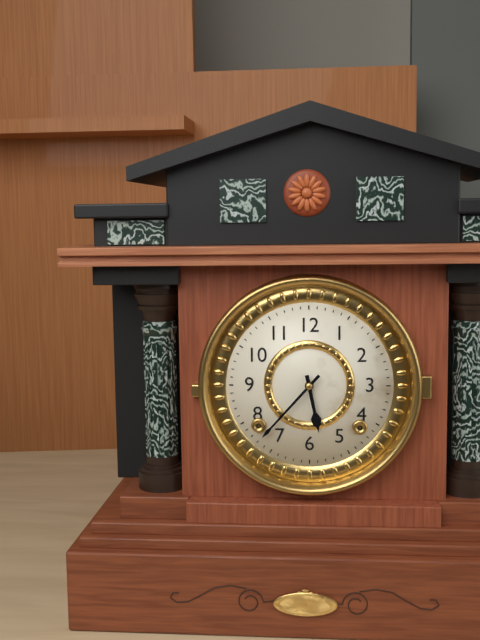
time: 5:37
